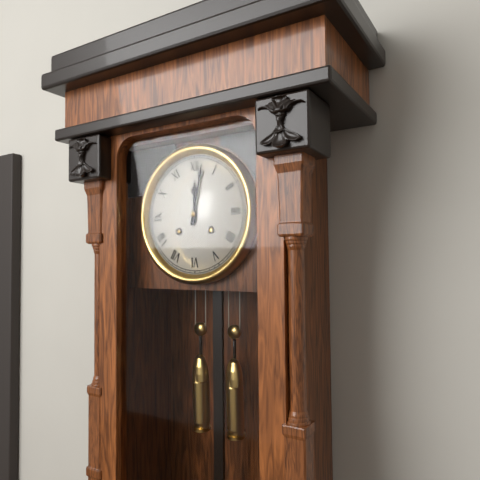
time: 12:02
